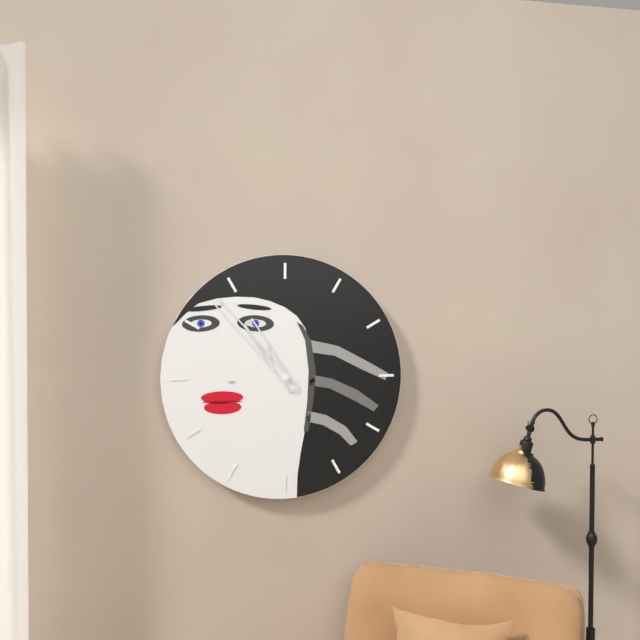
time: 10:53
